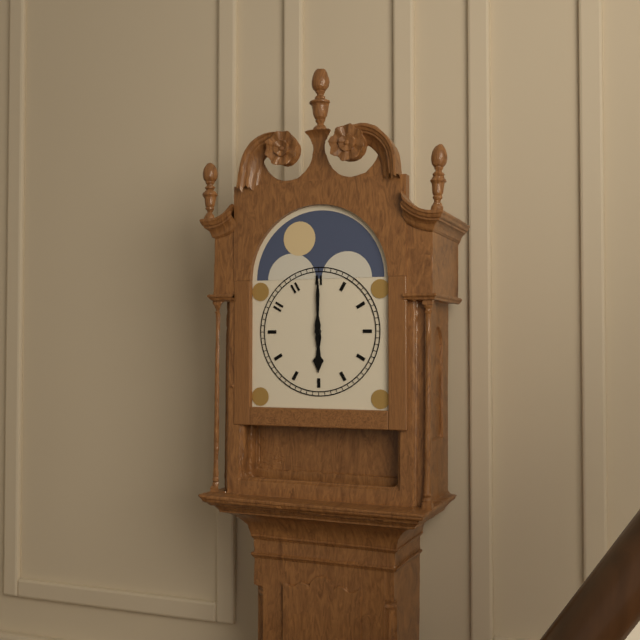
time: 6:00
